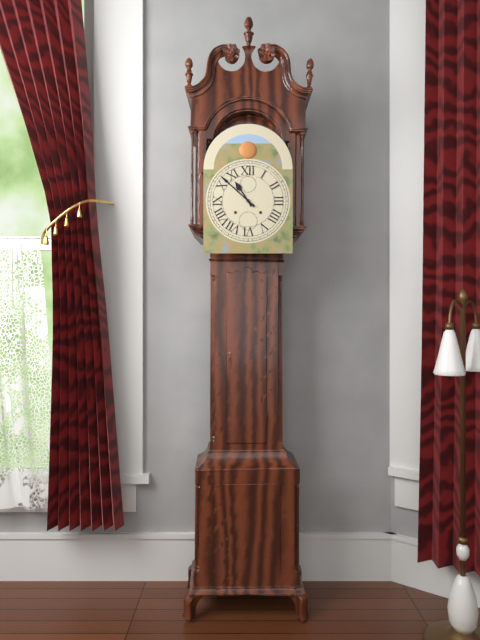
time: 10:52
